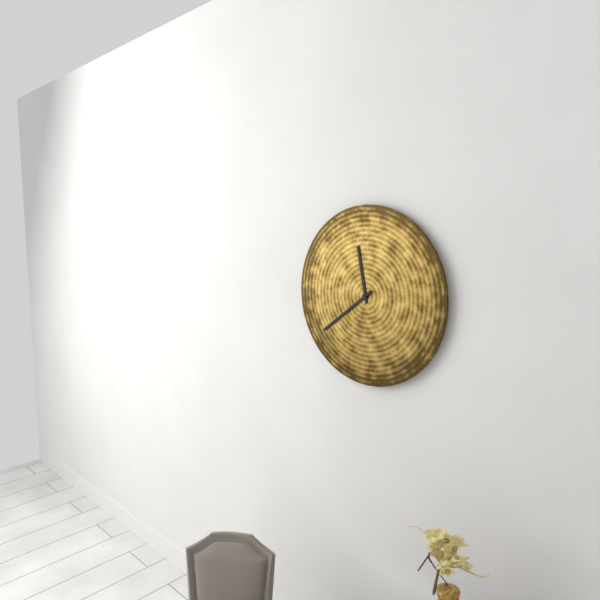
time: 11:39
